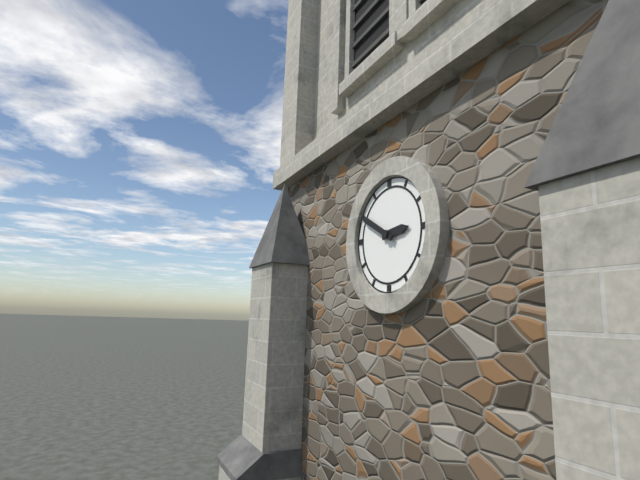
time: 2:50
